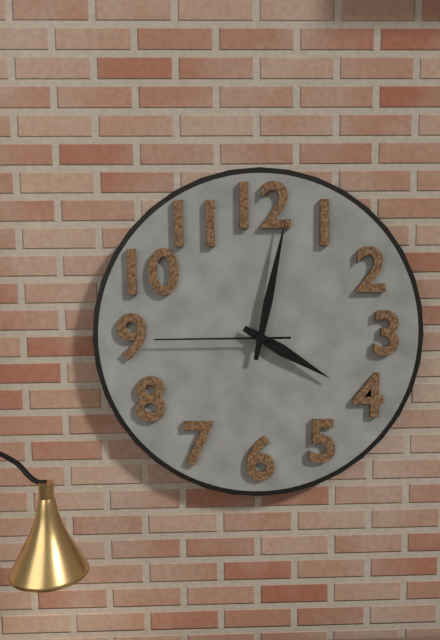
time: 4:02:45
